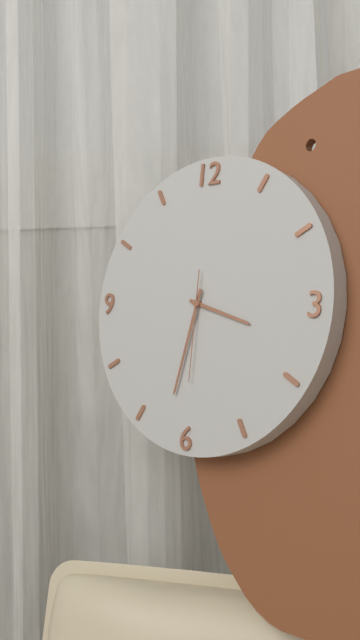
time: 3:32:30
